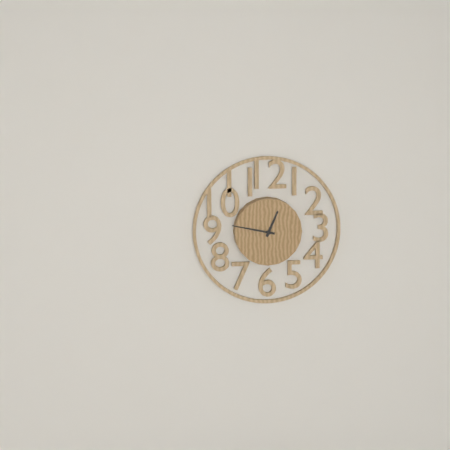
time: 12:47
